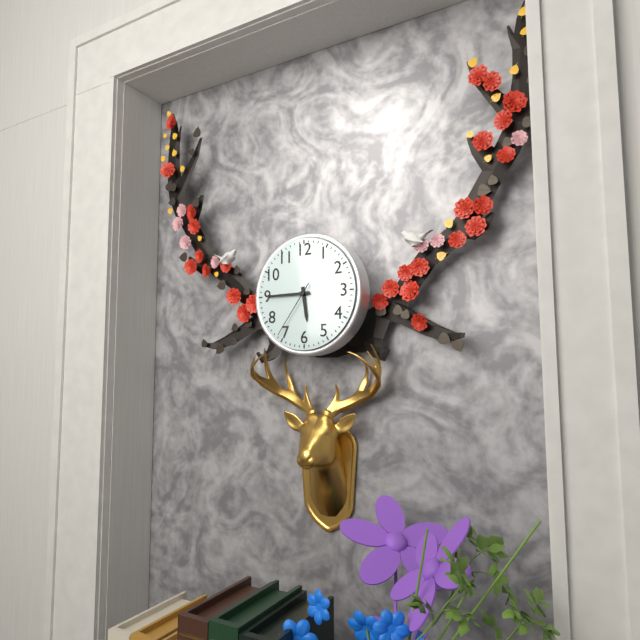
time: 5:45:36
